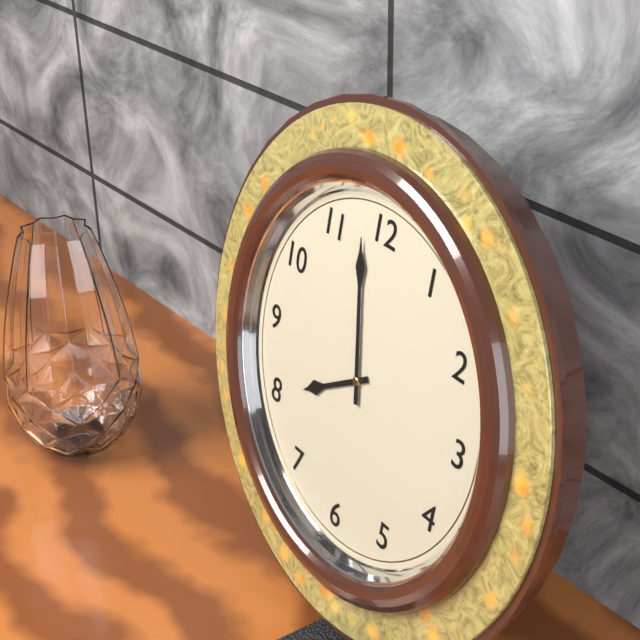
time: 7:58
